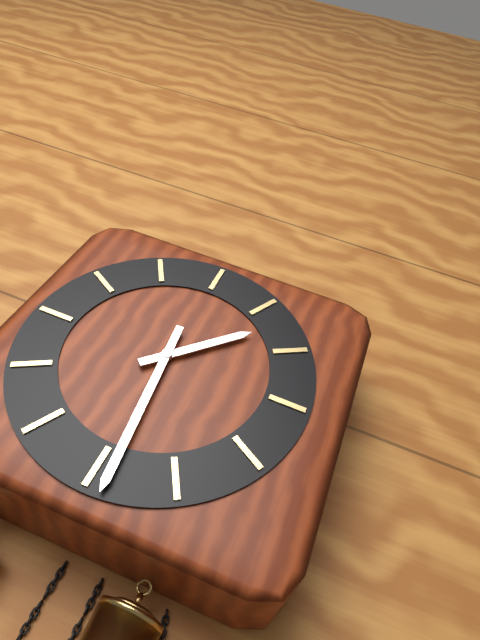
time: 1:29
